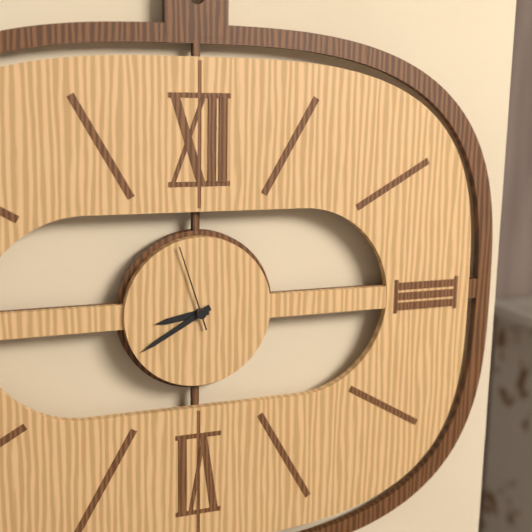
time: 8:40:57
